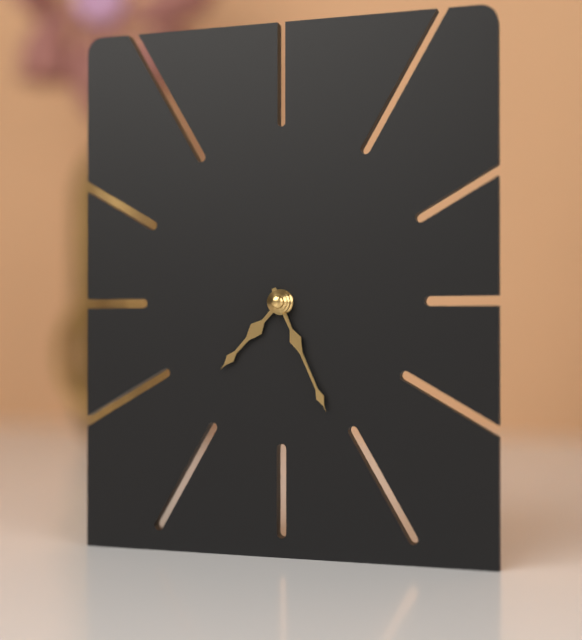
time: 7:26
